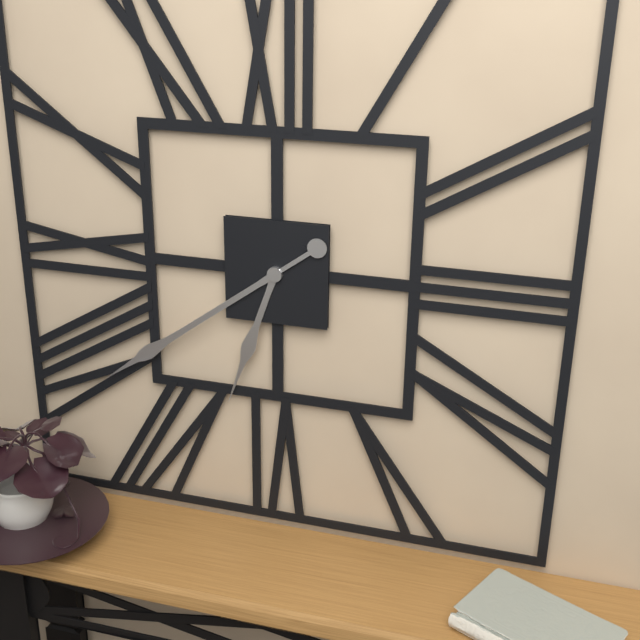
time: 6:39
